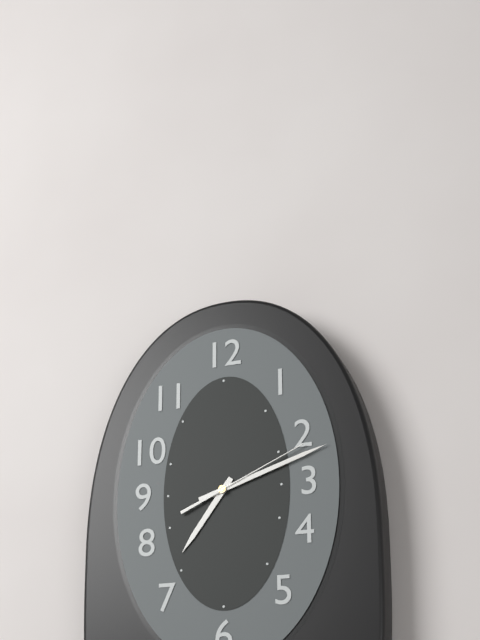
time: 7:12:11
